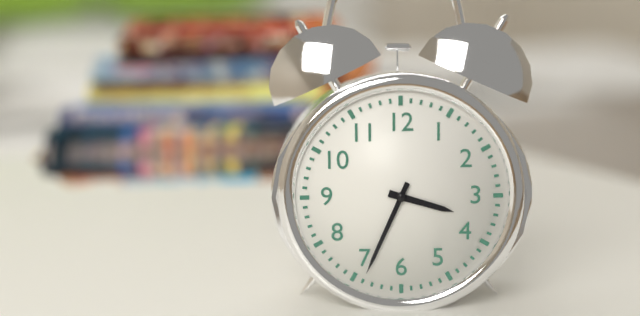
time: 3:34
